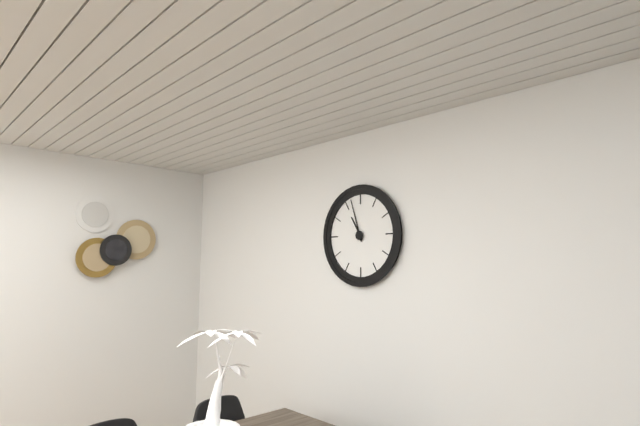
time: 10:57
